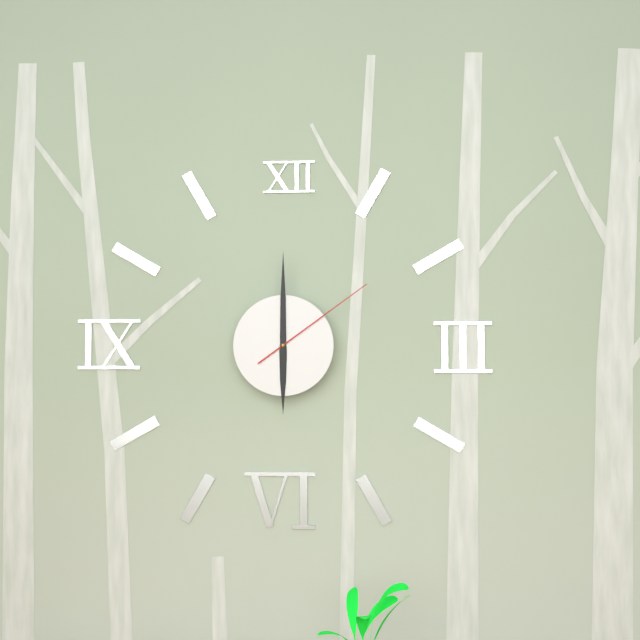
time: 6:00:09
